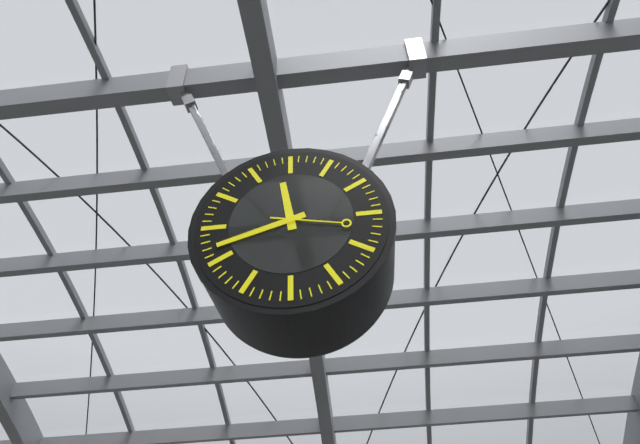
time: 11:42:17
